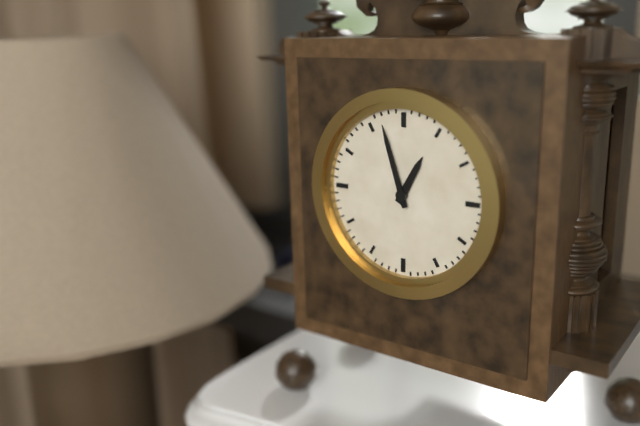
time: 12:57
